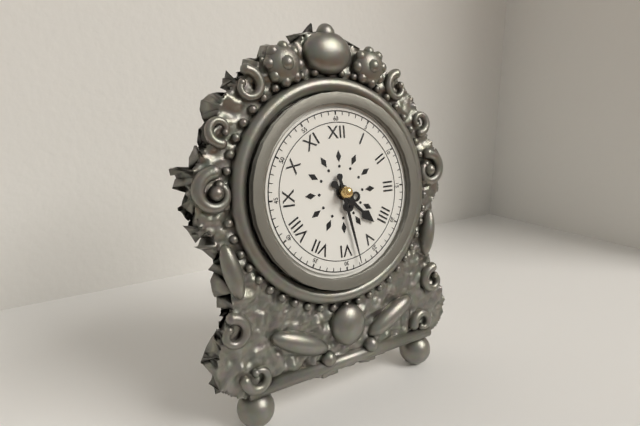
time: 4:28
